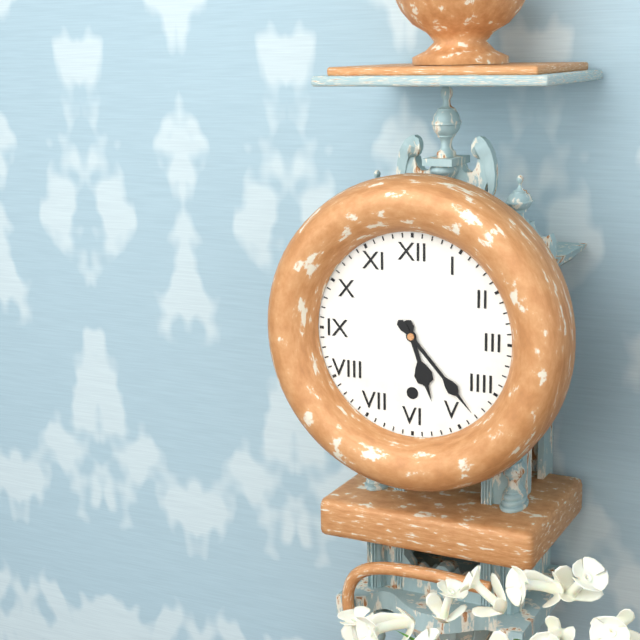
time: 5:23
